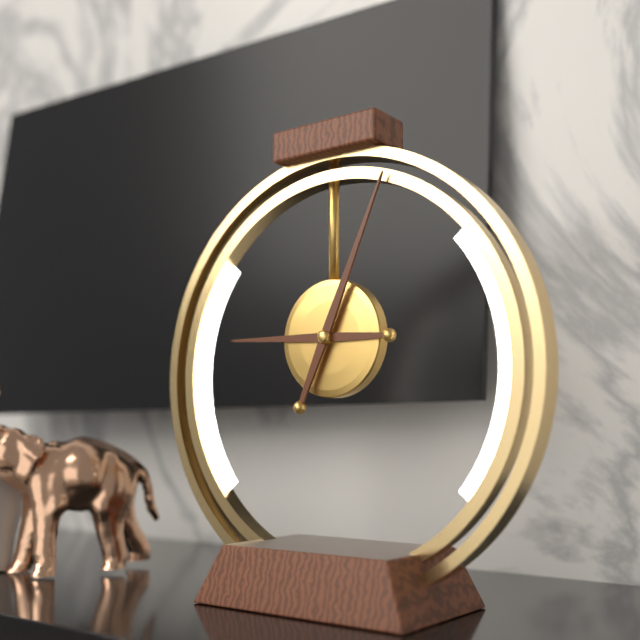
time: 9:04
